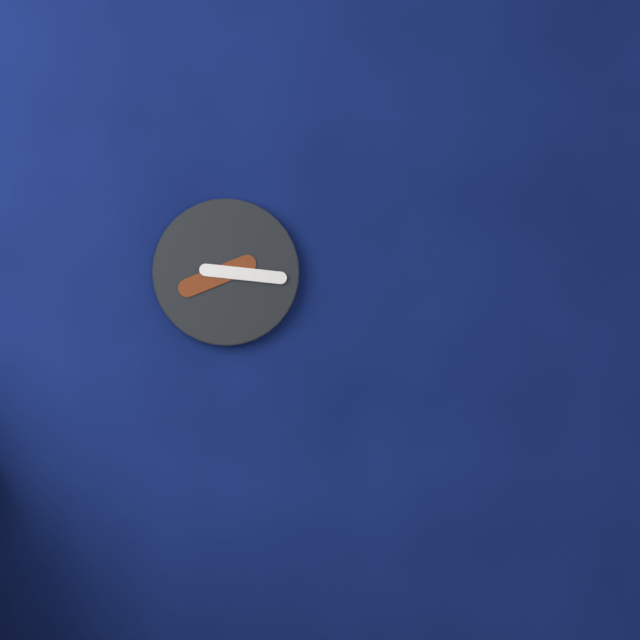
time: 8:16
